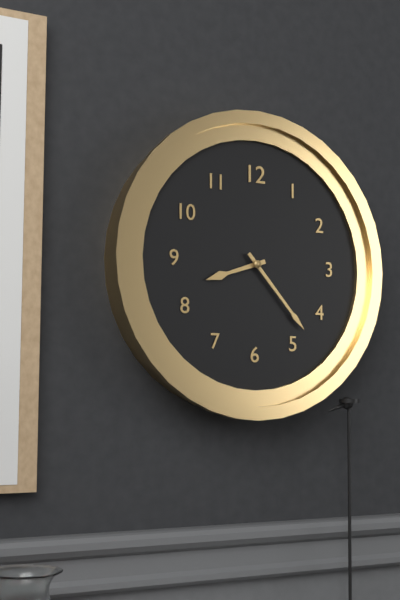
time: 8:23
